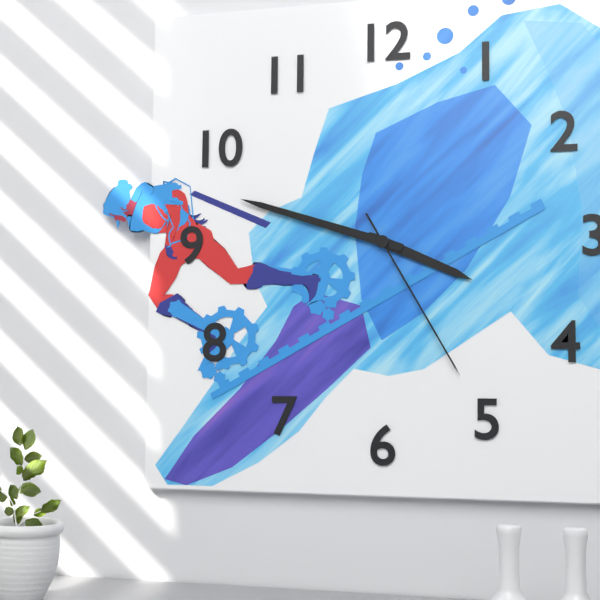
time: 3:48:25
